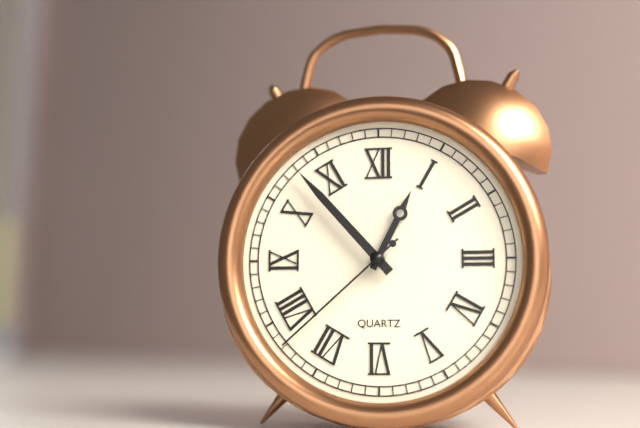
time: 12:53:38
